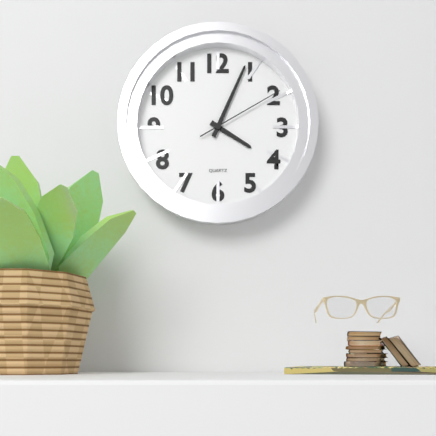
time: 4:04:10
